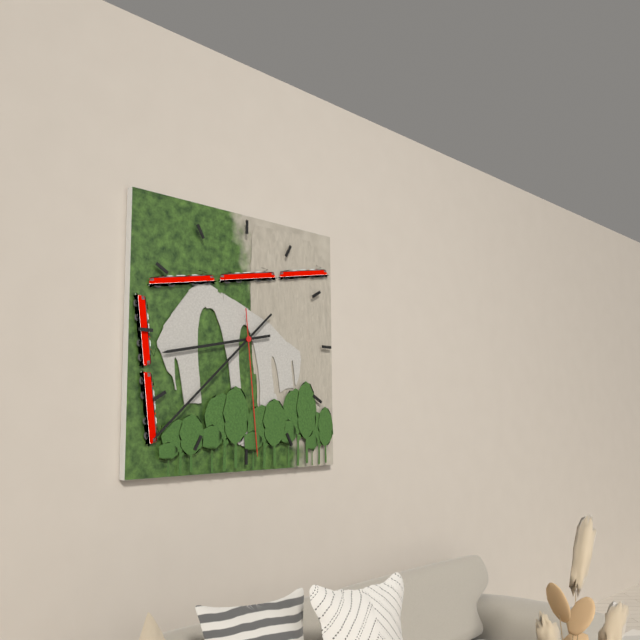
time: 8:38:29
